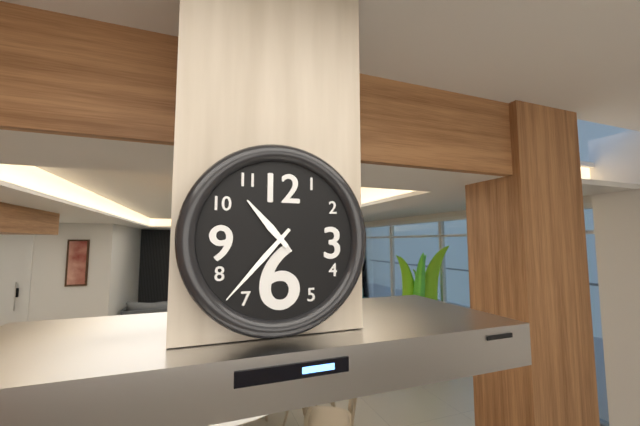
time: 10:37
